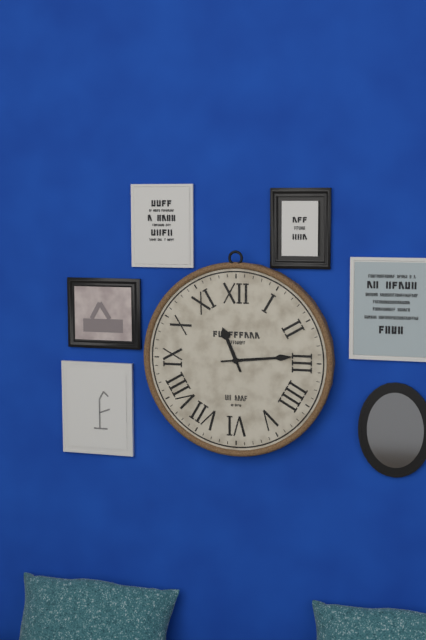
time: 11:14
